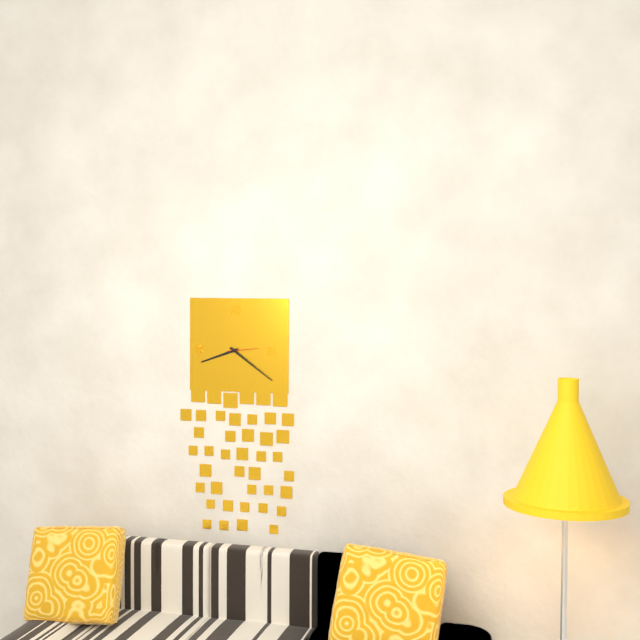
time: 8:21
